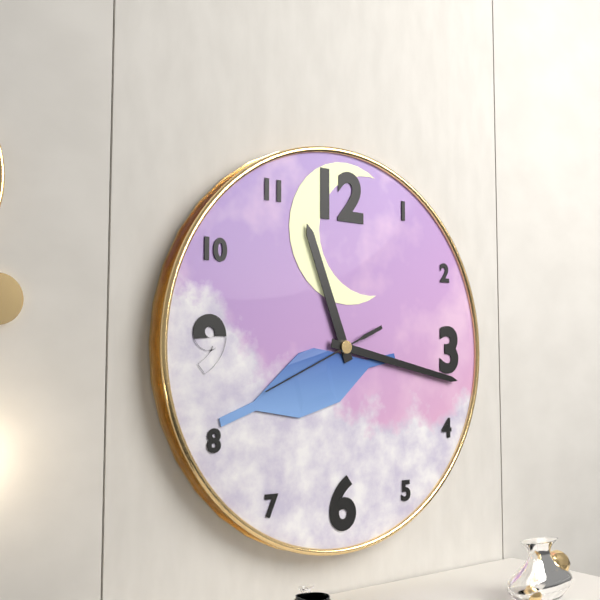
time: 11:17:41
